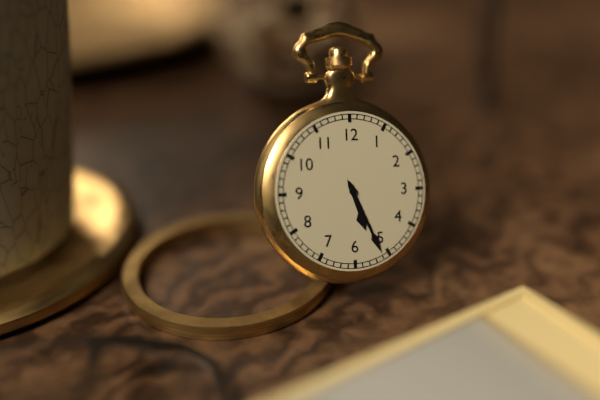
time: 5:26
